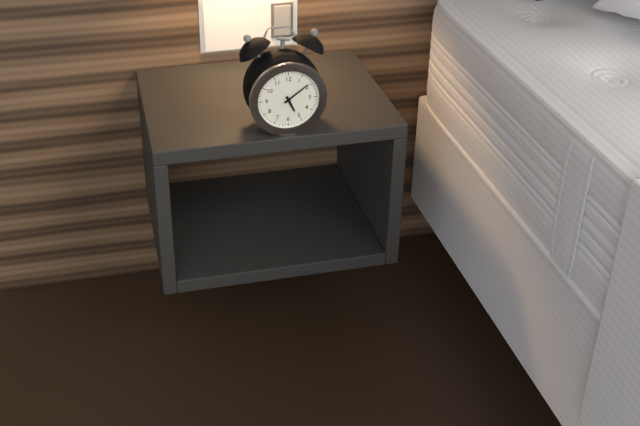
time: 5:09
